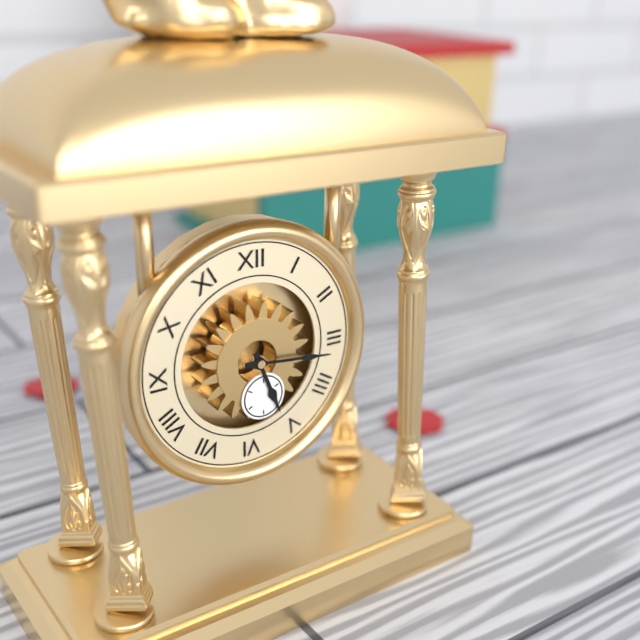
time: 5:16
